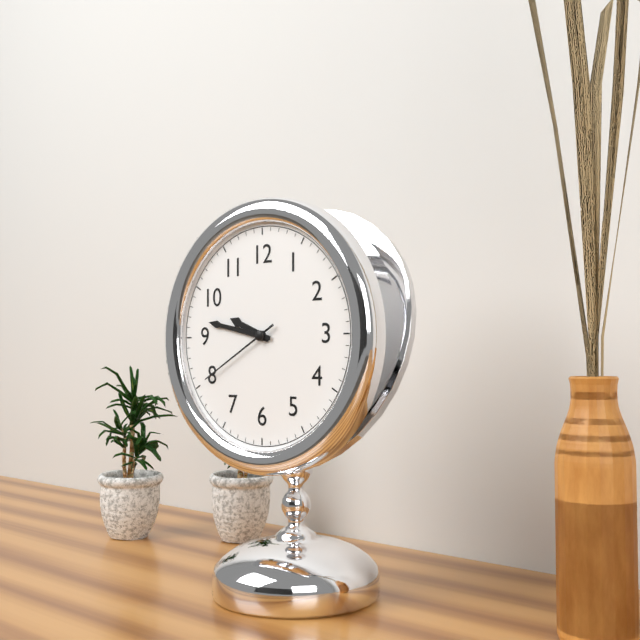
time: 9:47:40
